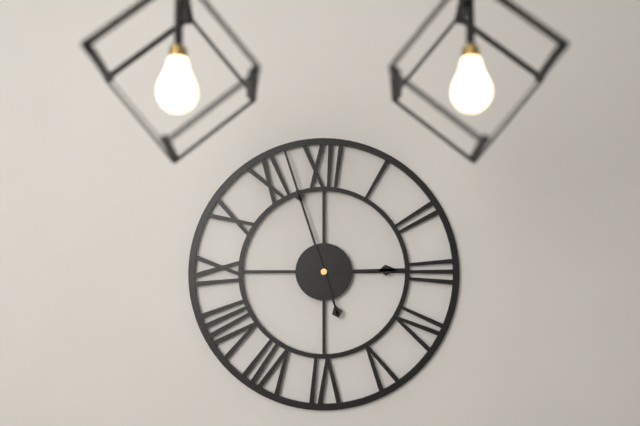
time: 2:57
